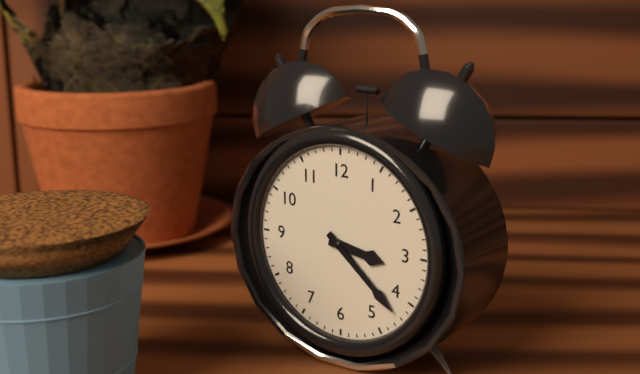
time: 3:22
